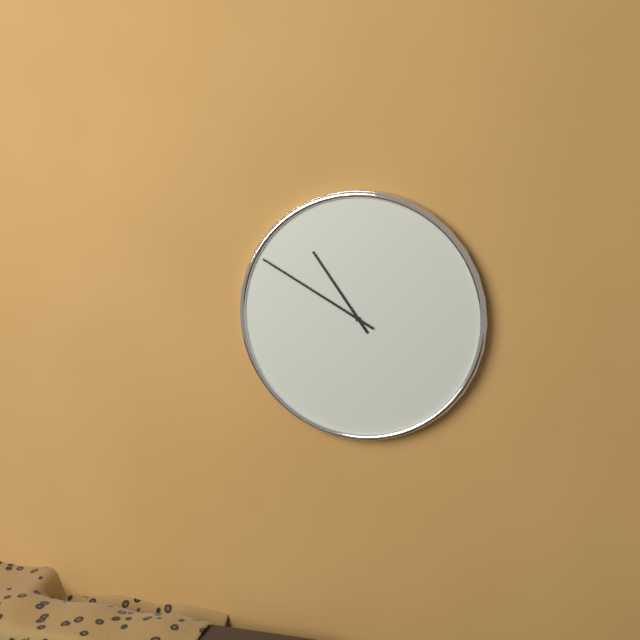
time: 10:50
